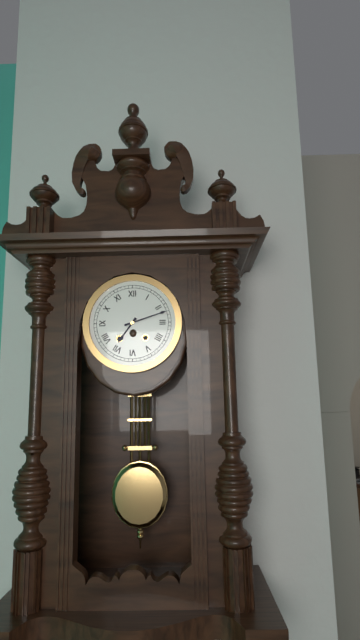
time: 7:12
